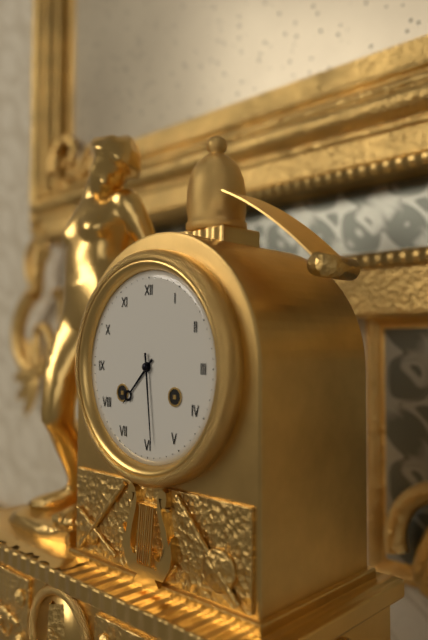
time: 7:29
